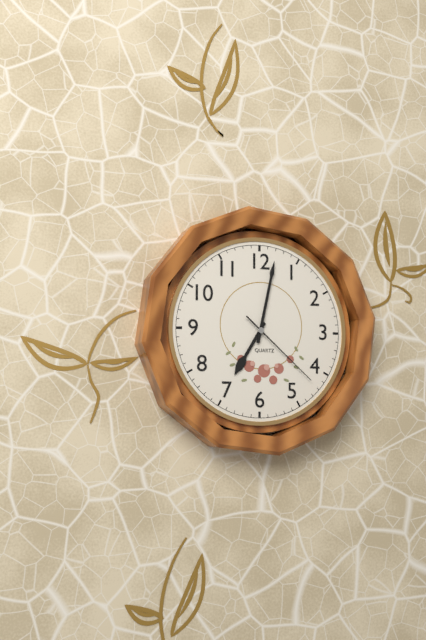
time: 7:02:22
